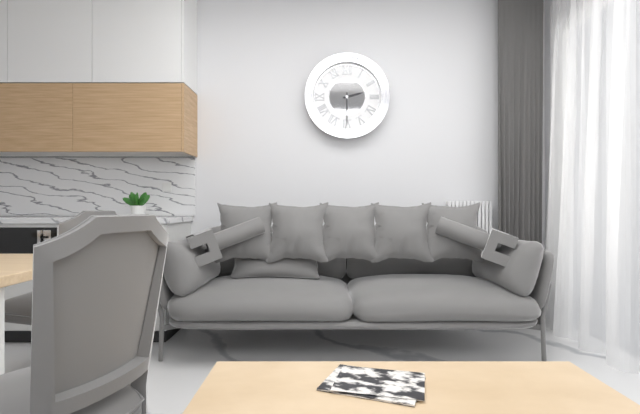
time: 2:30
